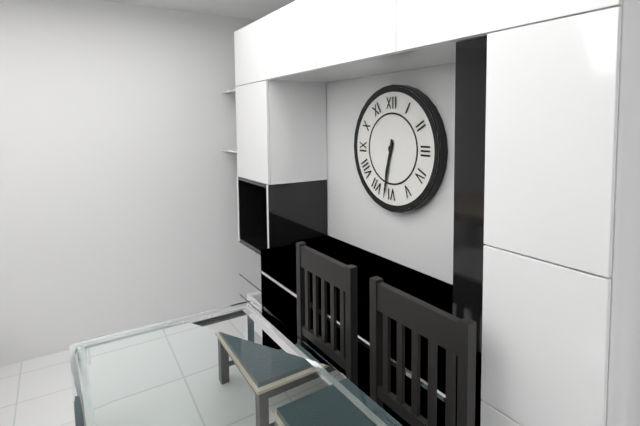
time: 6:32
